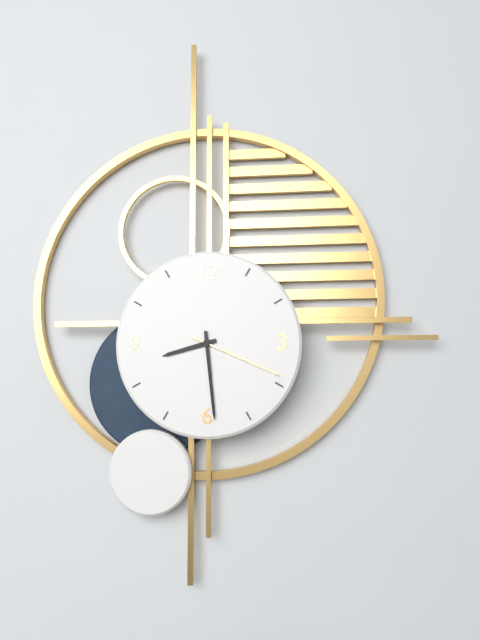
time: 8:29:19
